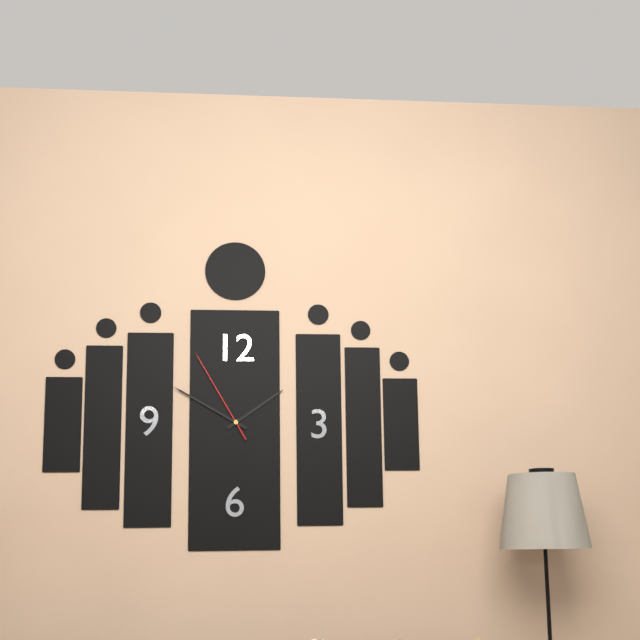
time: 1:50:55
